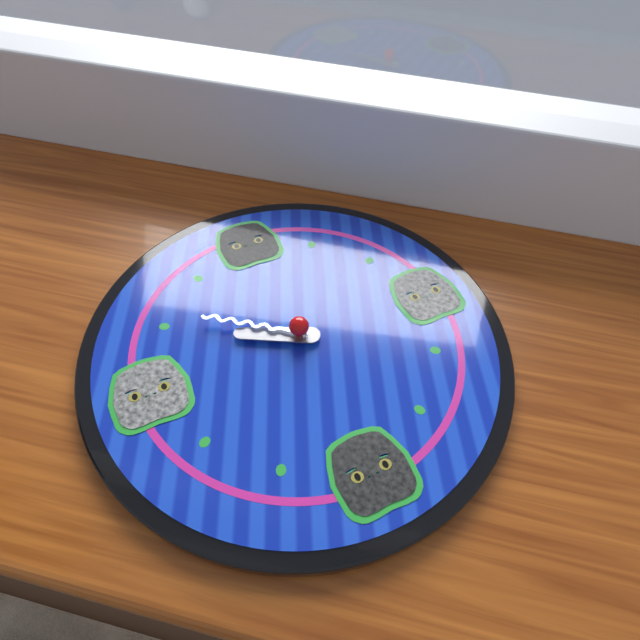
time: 9:51
